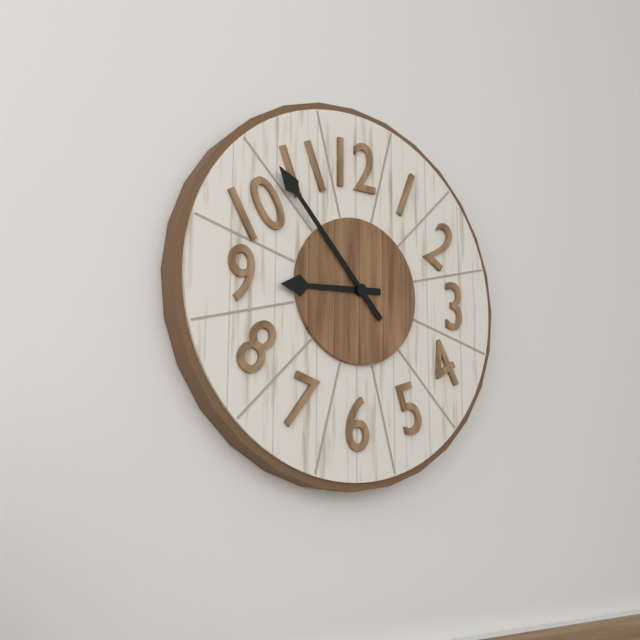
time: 8:53
